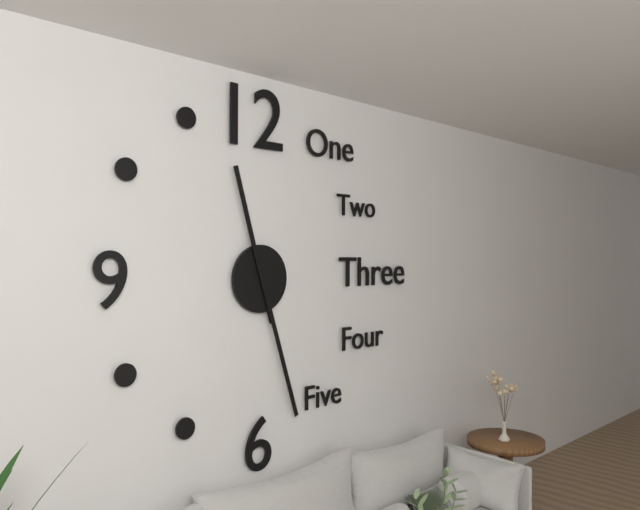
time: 11:27
